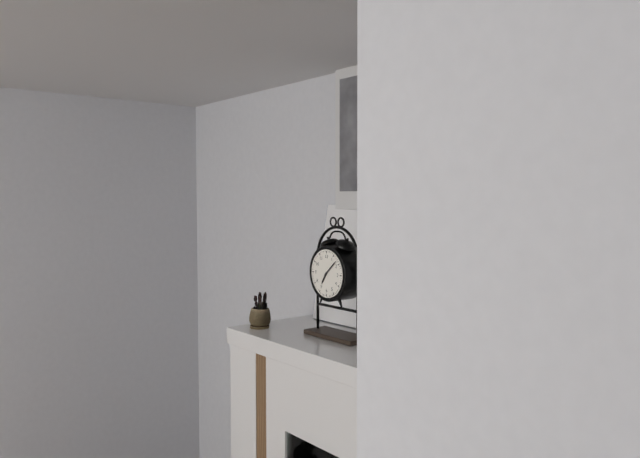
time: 7:08
